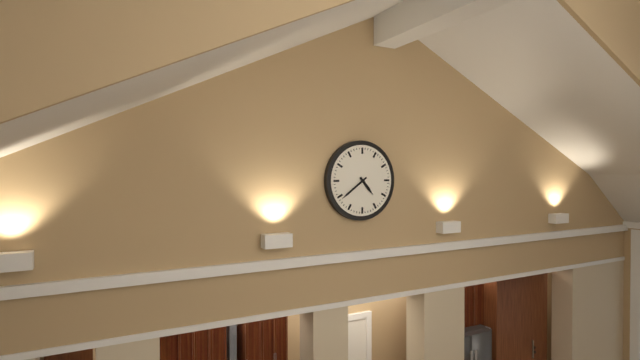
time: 4:39
